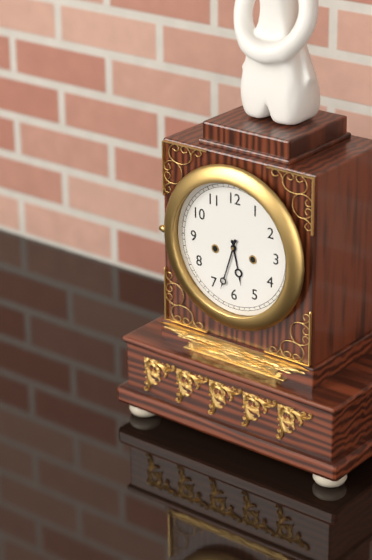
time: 5:33
